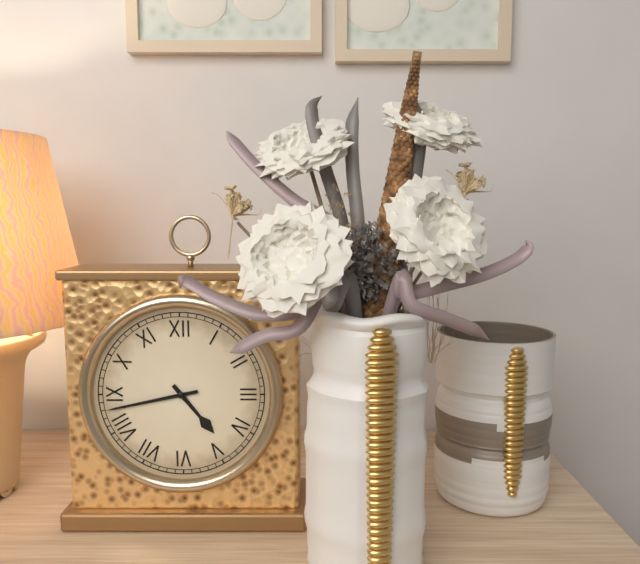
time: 4:43
